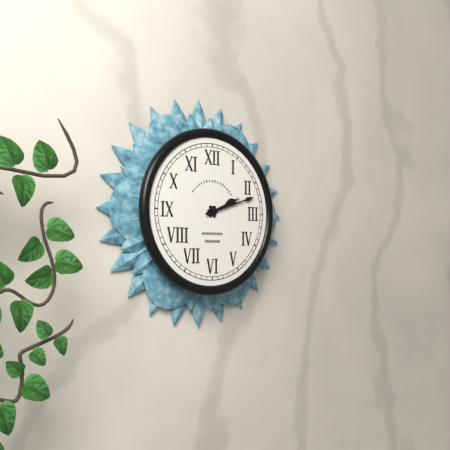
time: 2:12
